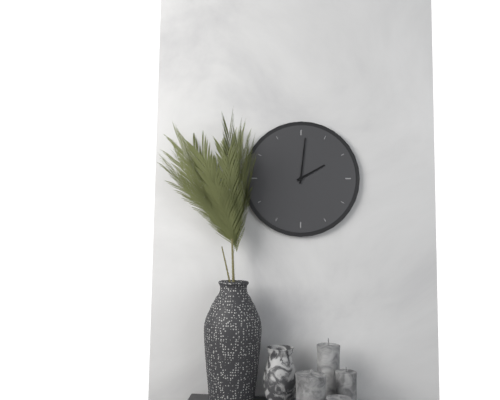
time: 2:01
